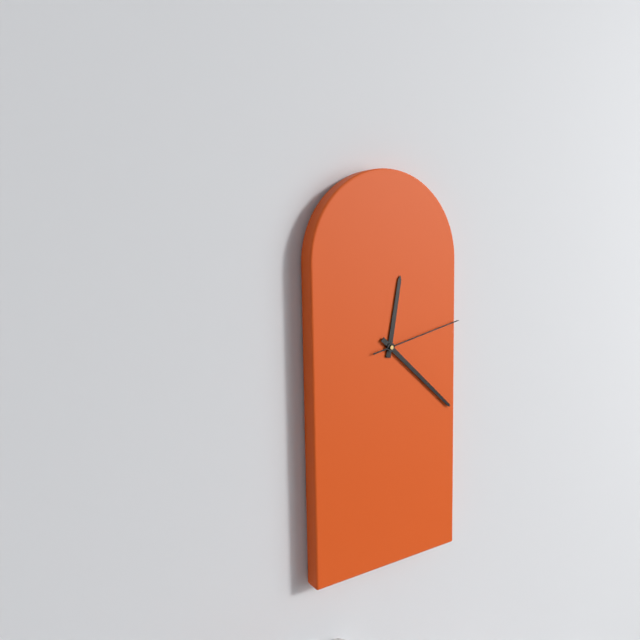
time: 12:22:13
